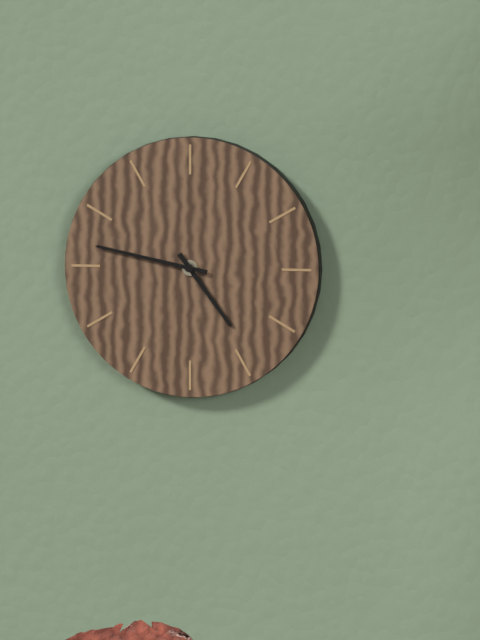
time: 4:47
